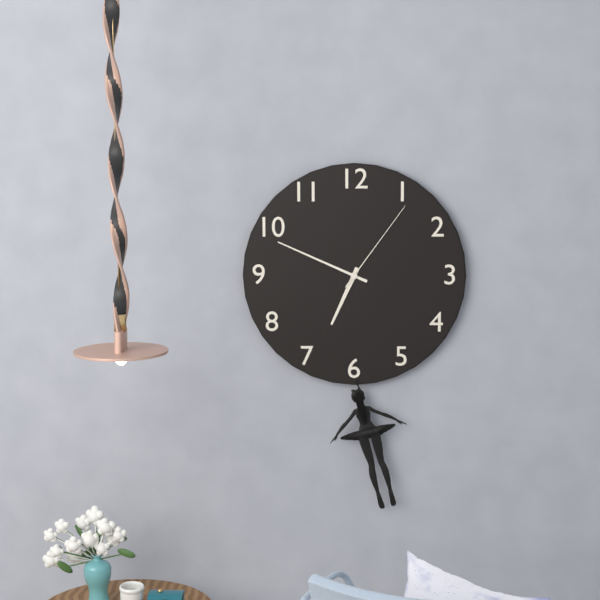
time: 6:49:06
